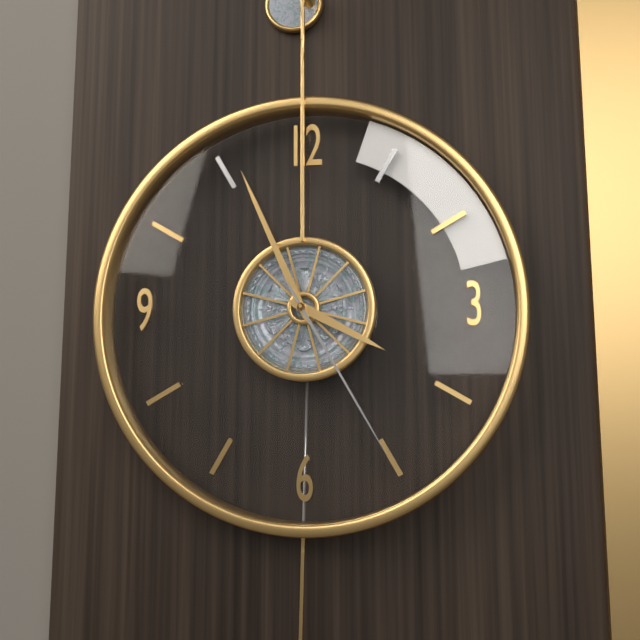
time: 3:56:25
